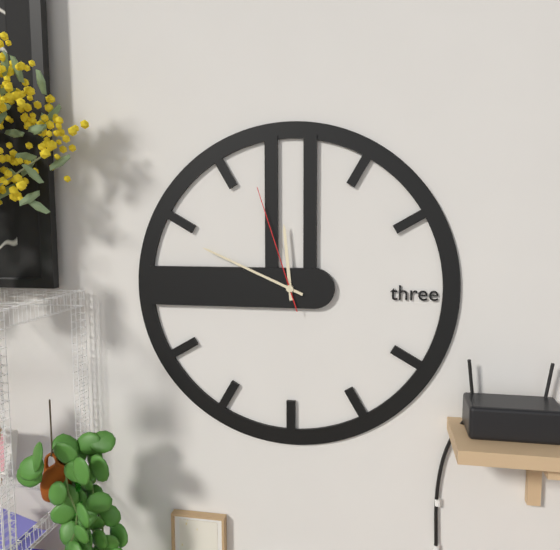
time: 11:49:57
